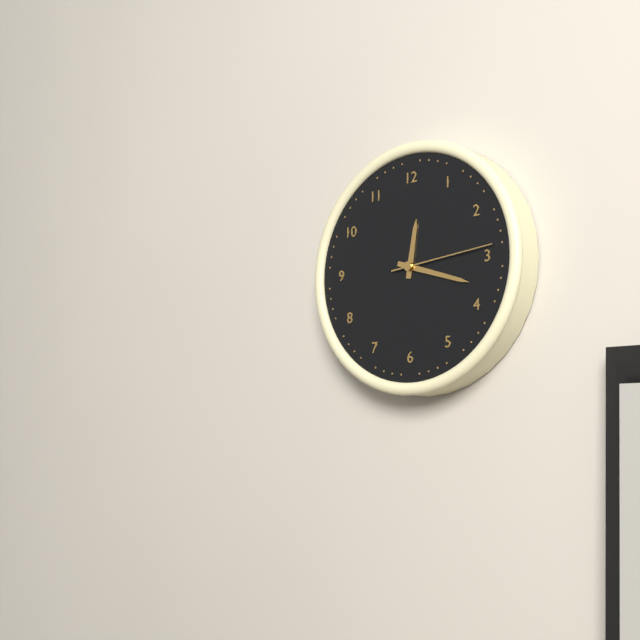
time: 12:18:14
